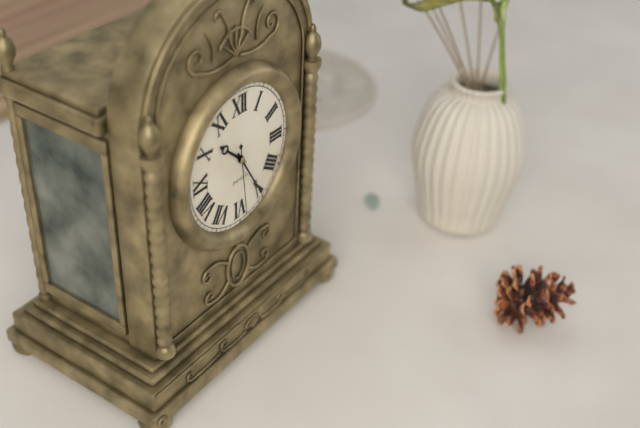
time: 10:25:29
